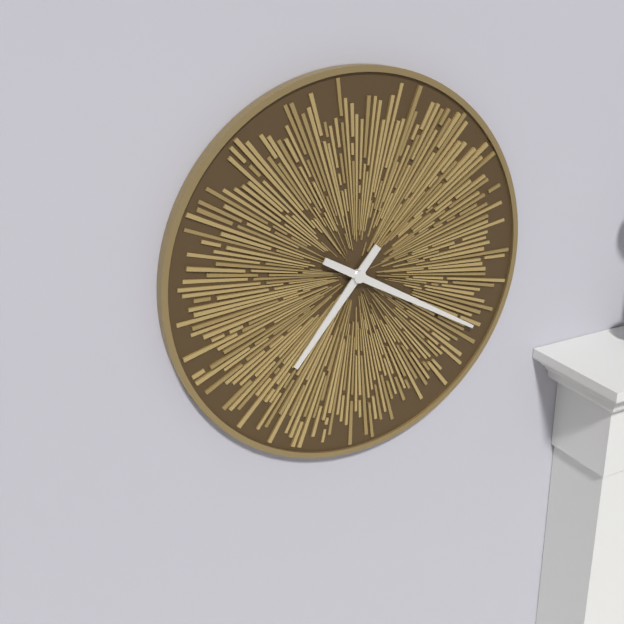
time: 7:20
